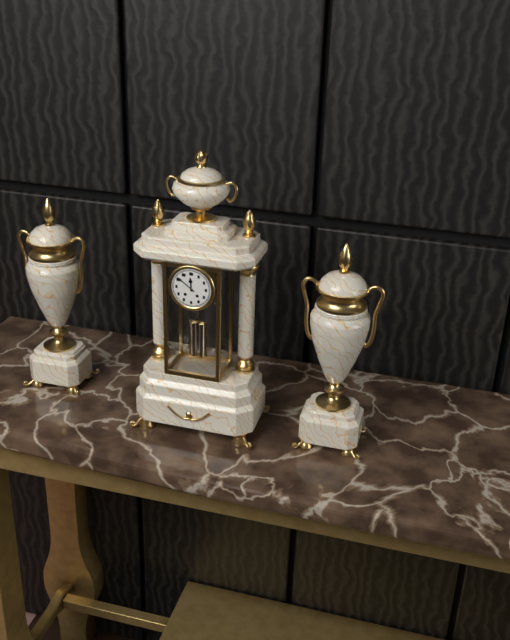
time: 11:51
